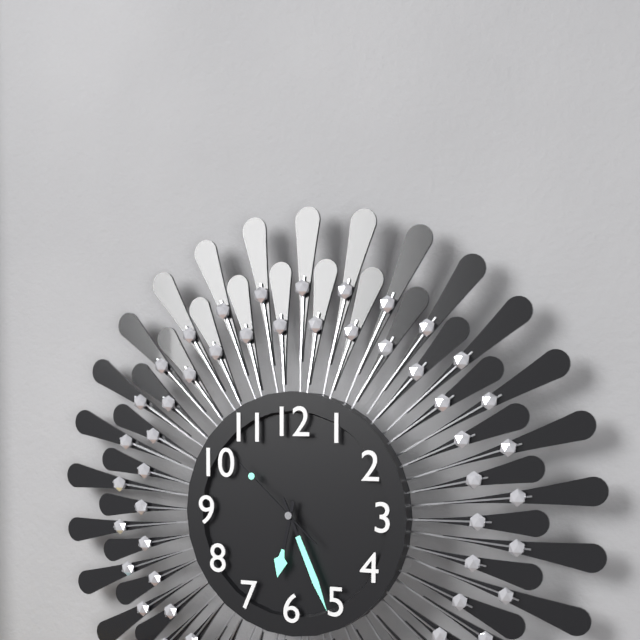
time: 6:26:52
